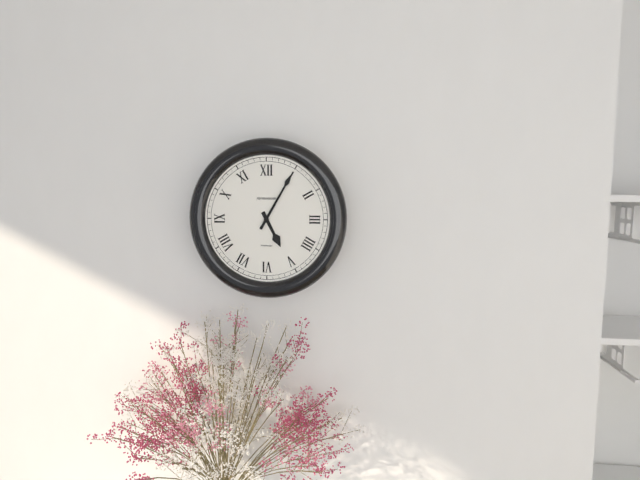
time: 5:05
